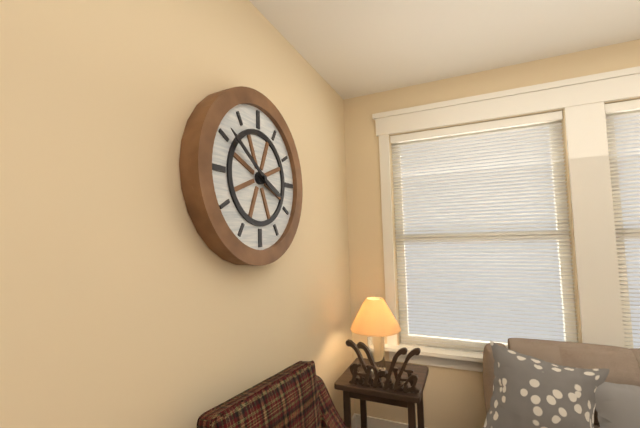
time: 3:51
